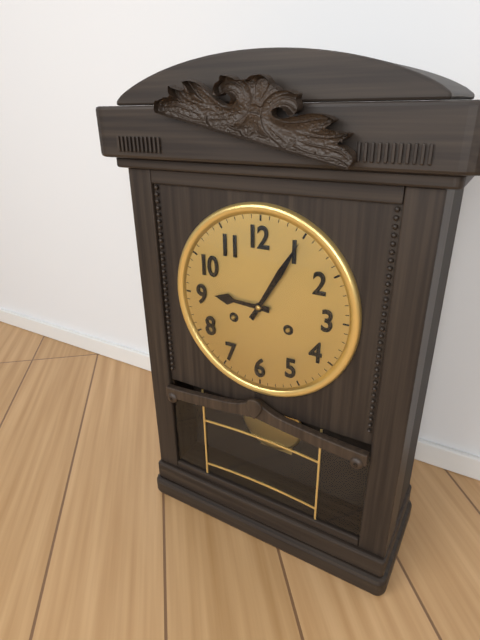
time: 9:05
